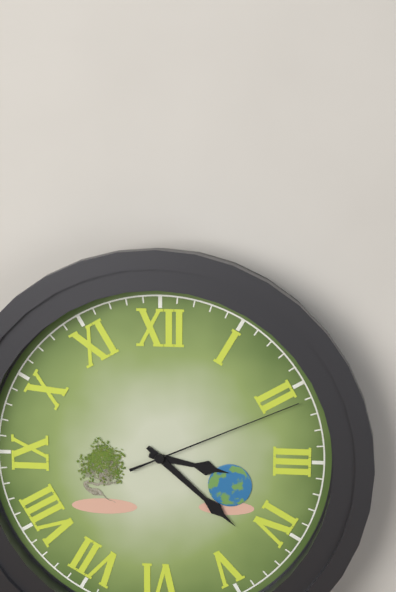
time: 3:22:11
